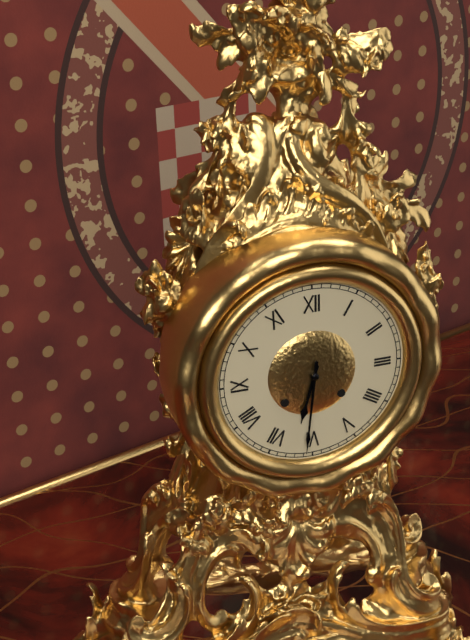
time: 6:31
